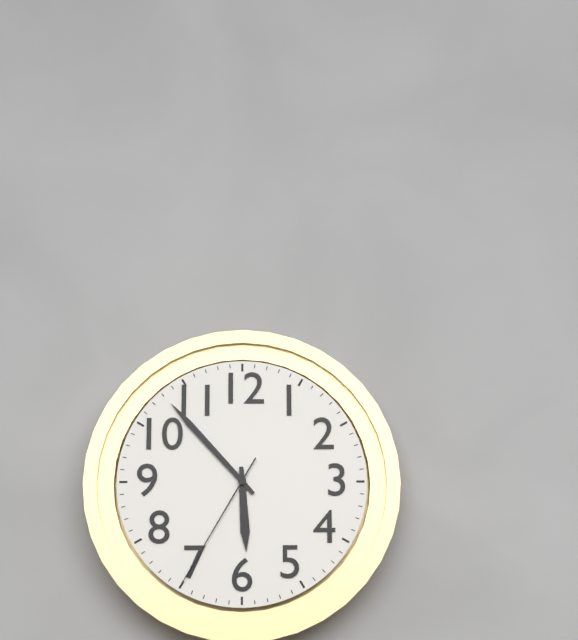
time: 5:53:35
